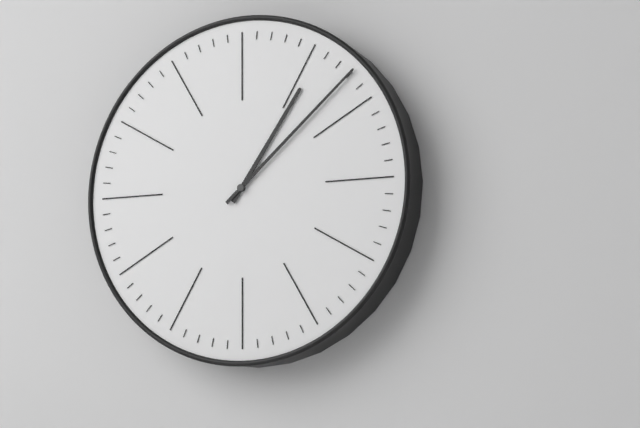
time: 1:08
